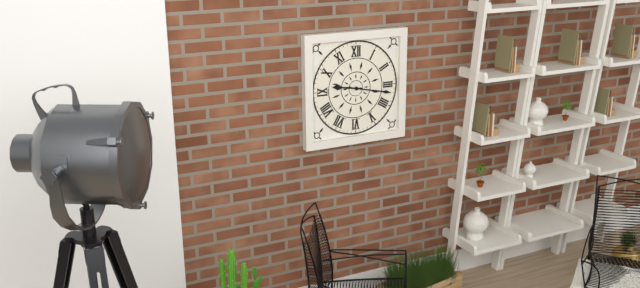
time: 9:17
